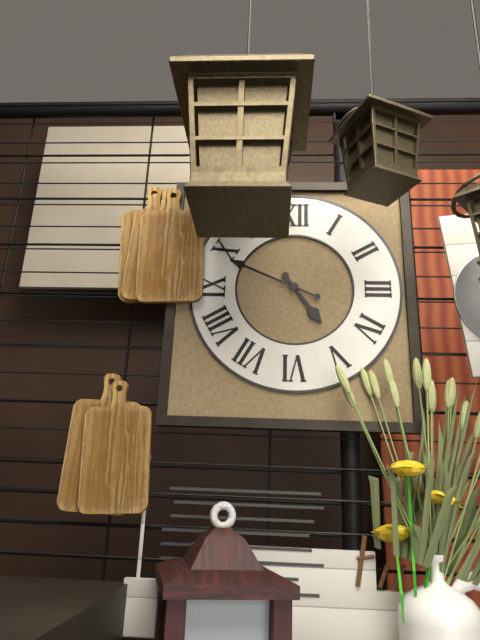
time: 4:49
